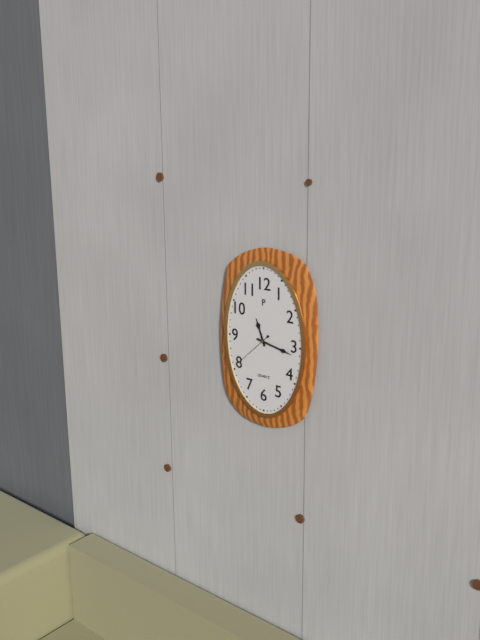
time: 11:17
